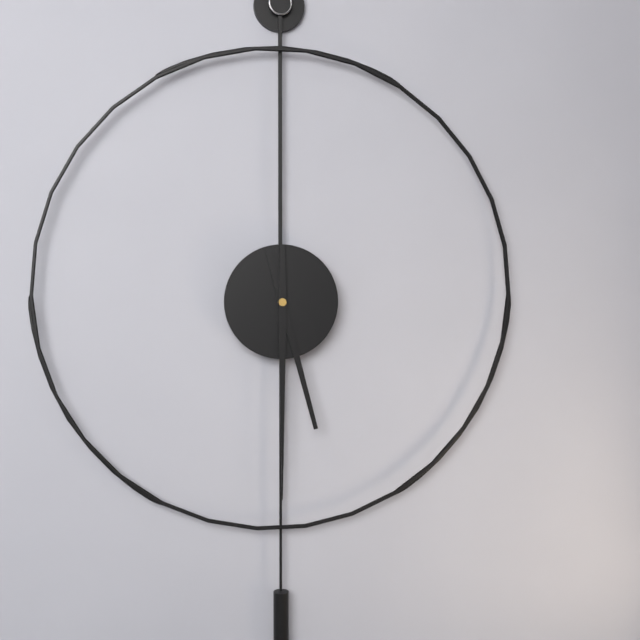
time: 5:30
